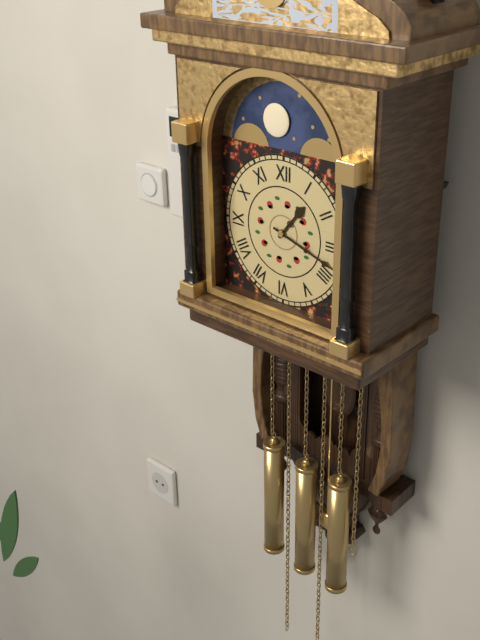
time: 1:18
